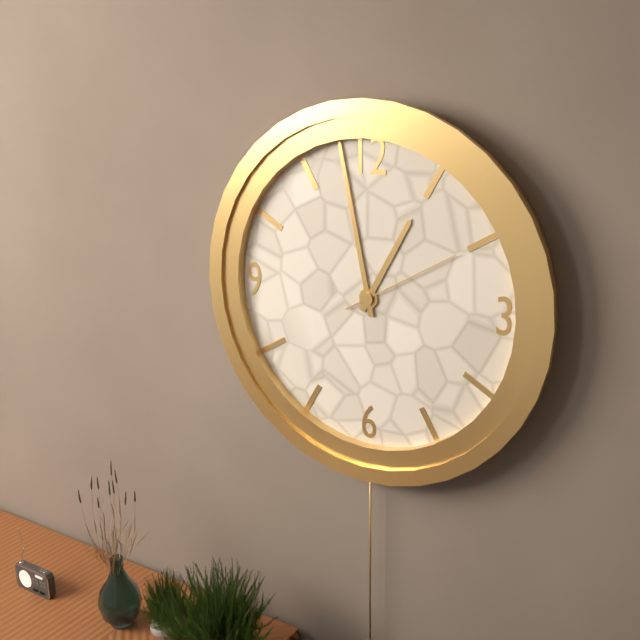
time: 12:58:10
